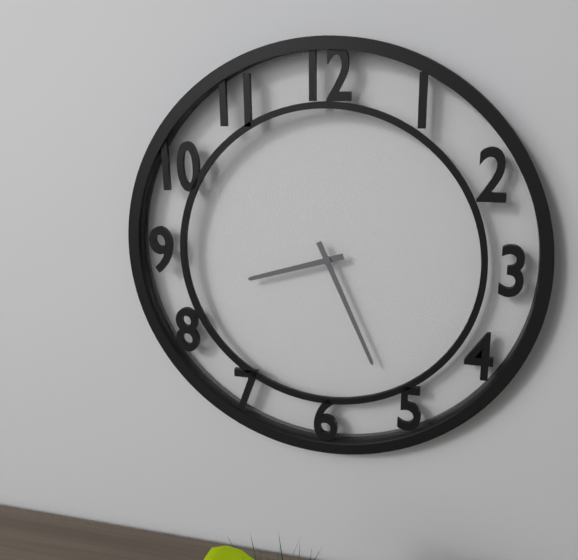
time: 8:26
